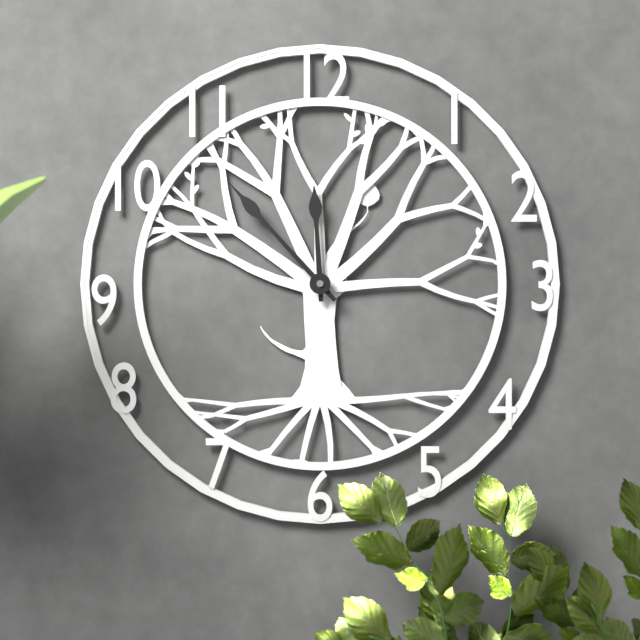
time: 11:53
